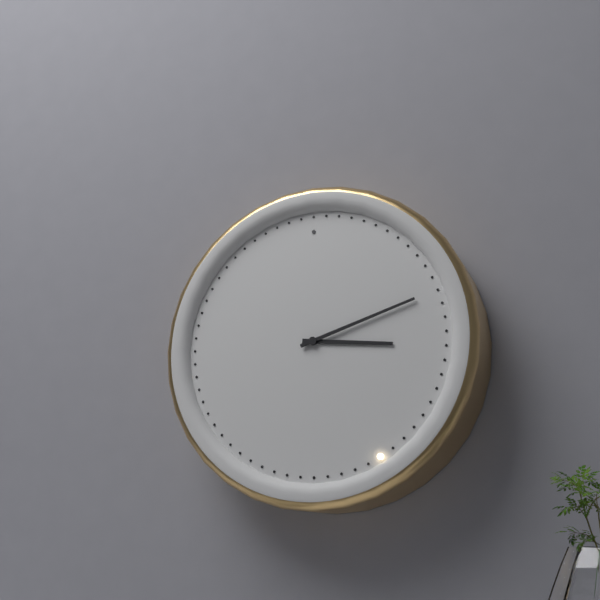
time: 3:12
